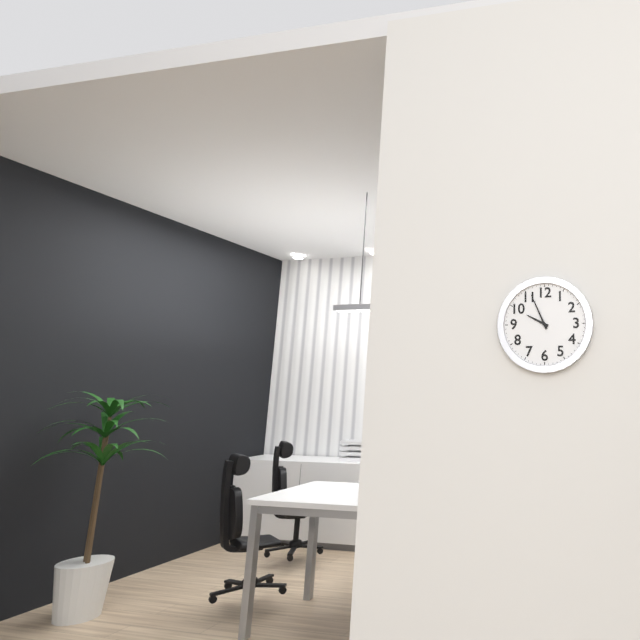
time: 9:56
